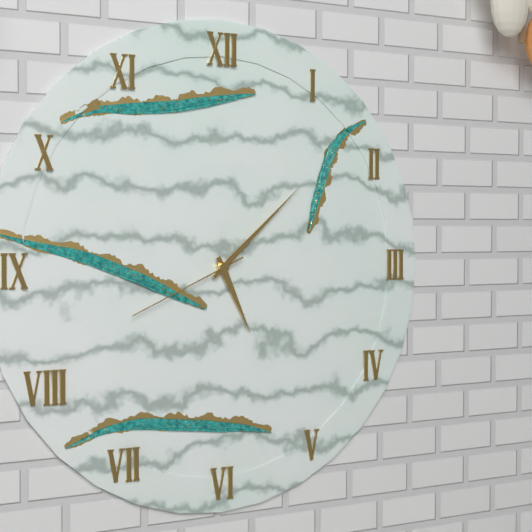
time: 5:08:41
